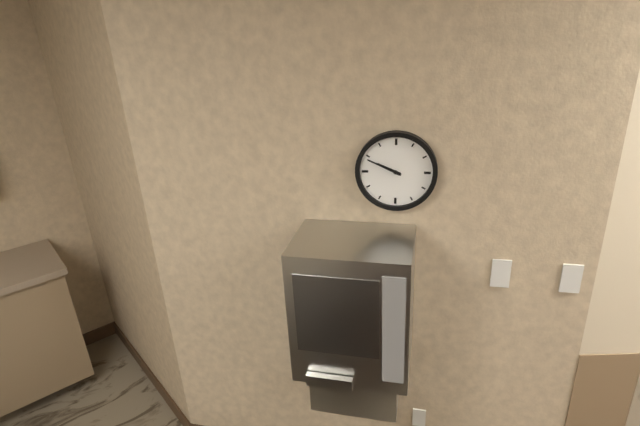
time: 9:49
